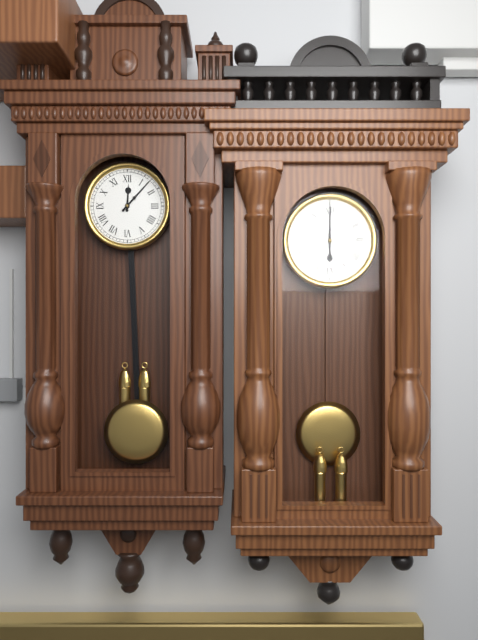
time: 12:07
